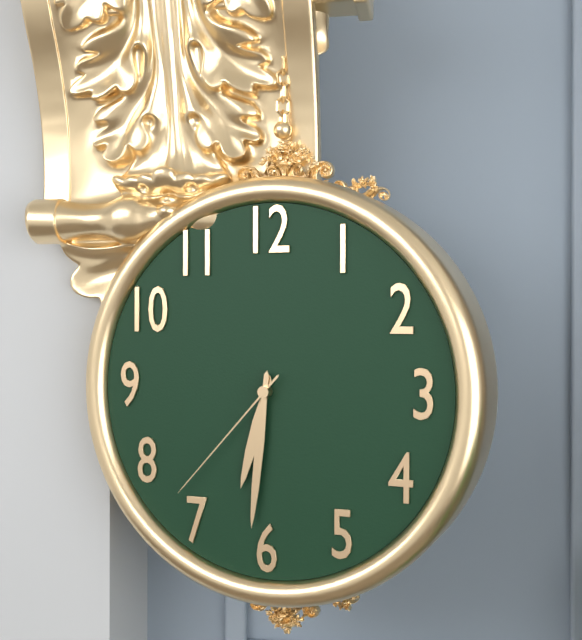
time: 6:31:37
